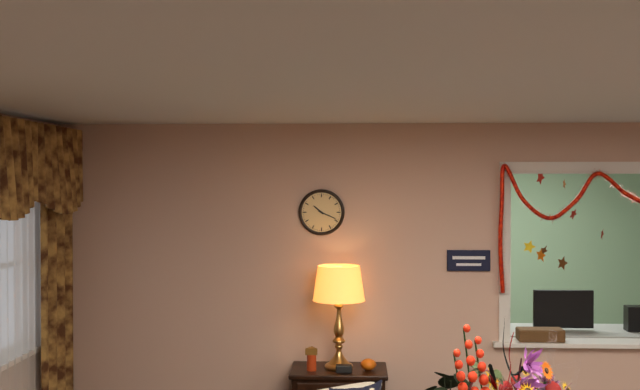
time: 10:19
